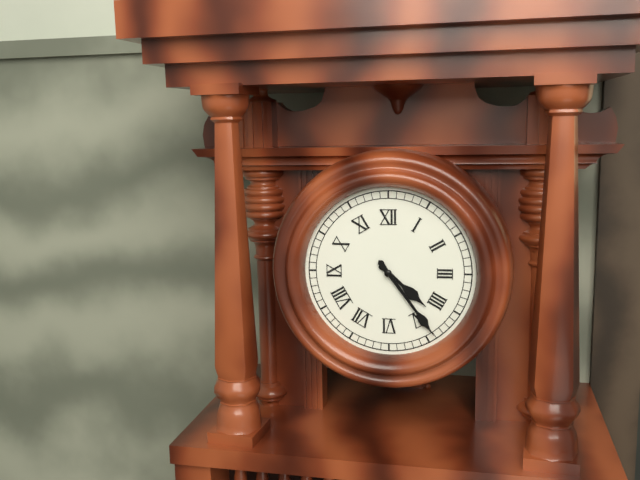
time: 4:24
